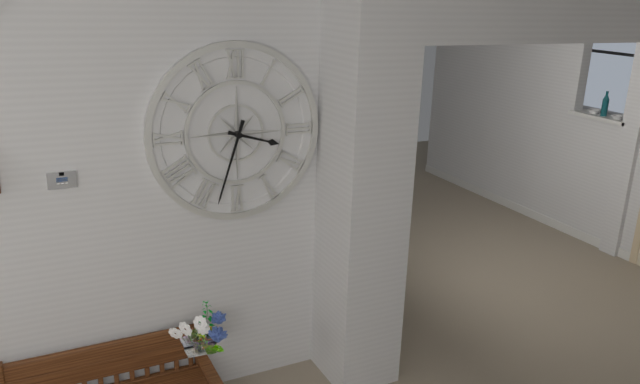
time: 3:33
